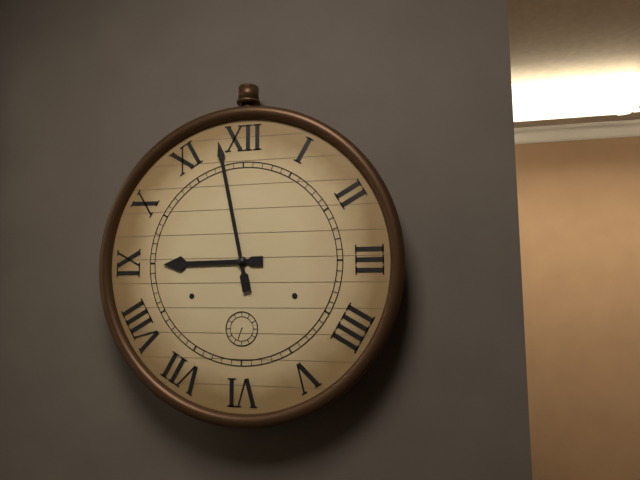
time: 8:58
